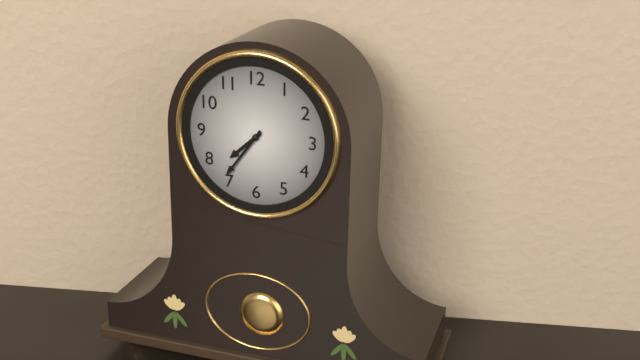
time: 7:36
